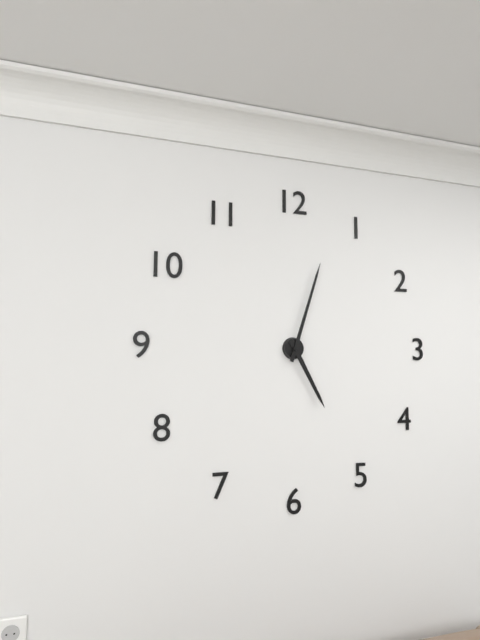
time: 5:03
